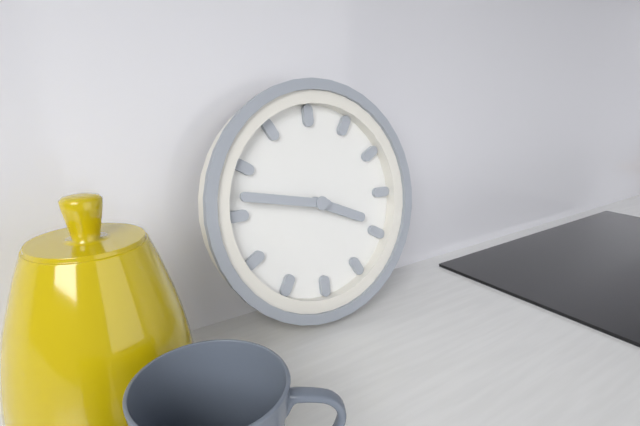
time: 3:47
